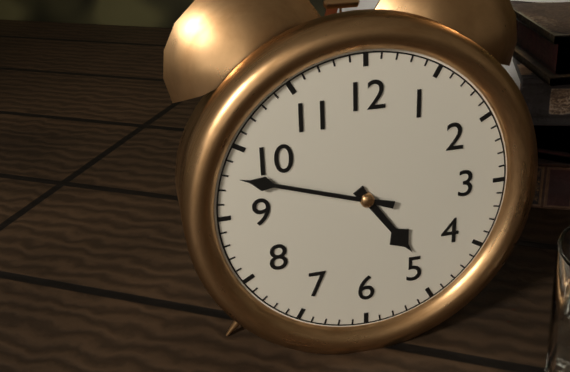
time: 4:48
